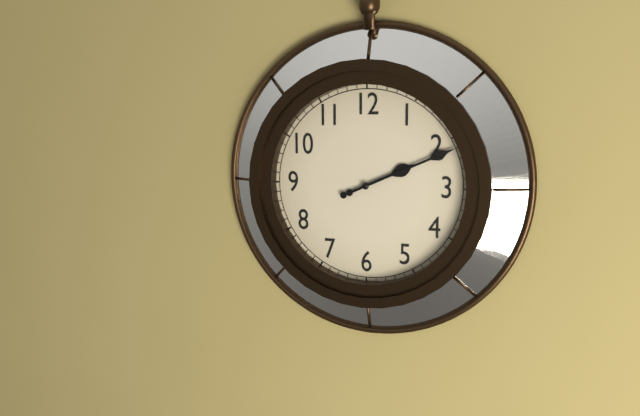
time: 2:11
